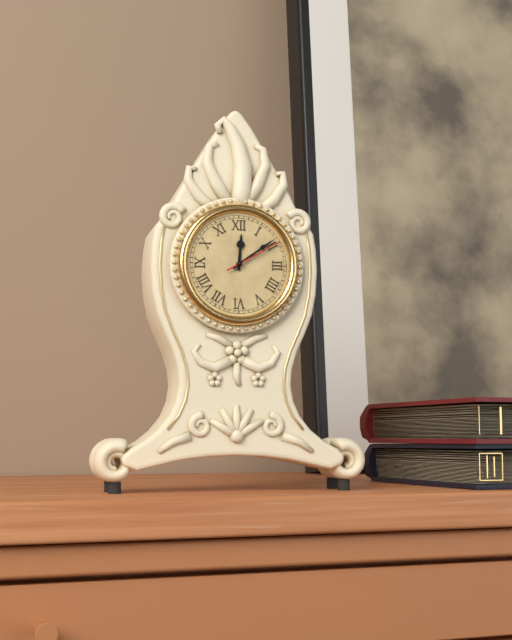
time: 12:09:10
